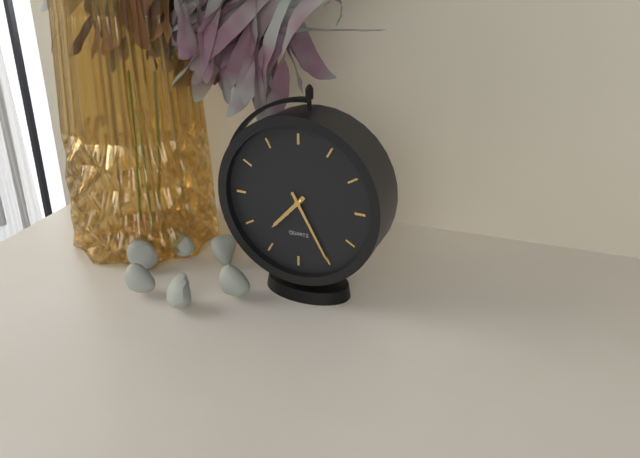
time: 7:25
